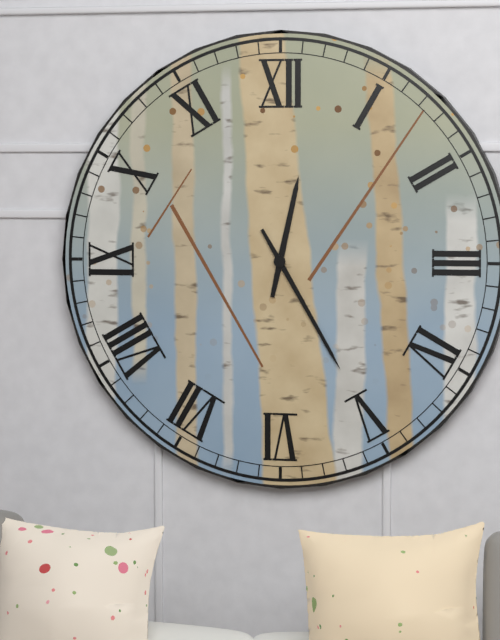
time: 12:25
